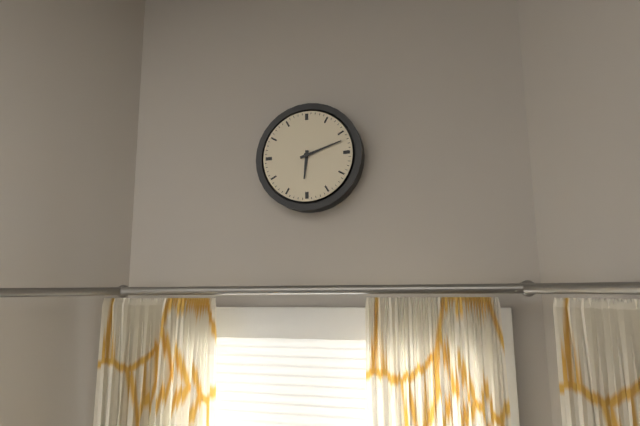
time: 6:12
